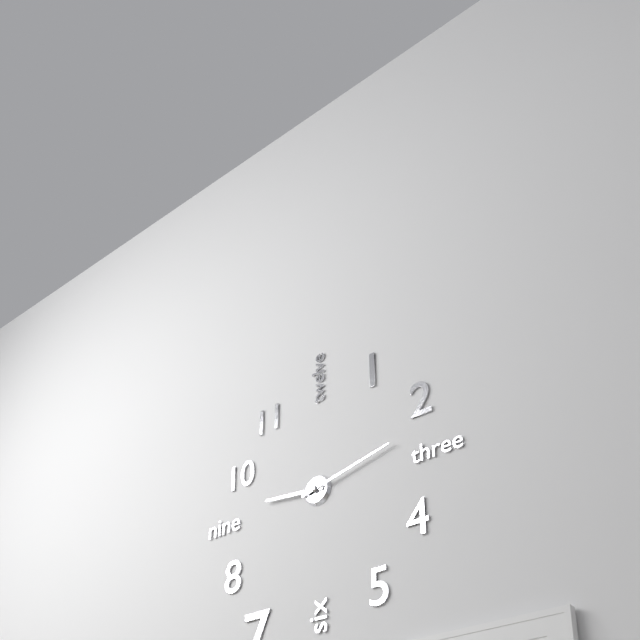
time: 9:13
